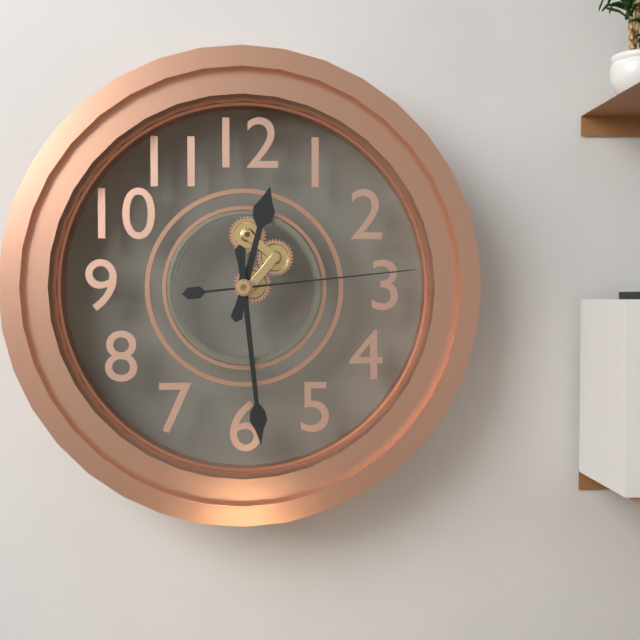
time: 12:29:14
